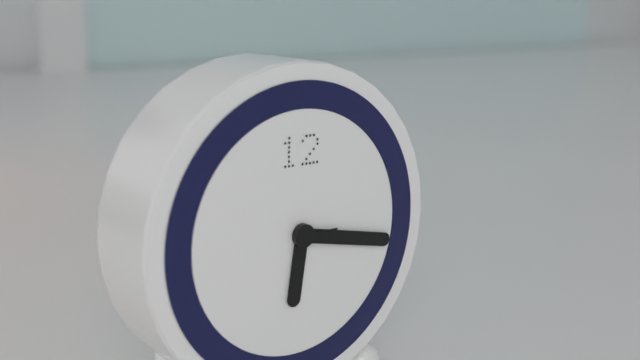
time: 6:17:15
